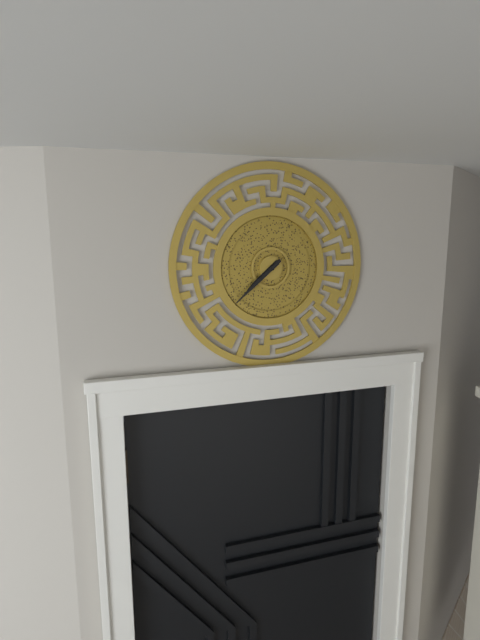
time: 7:38
